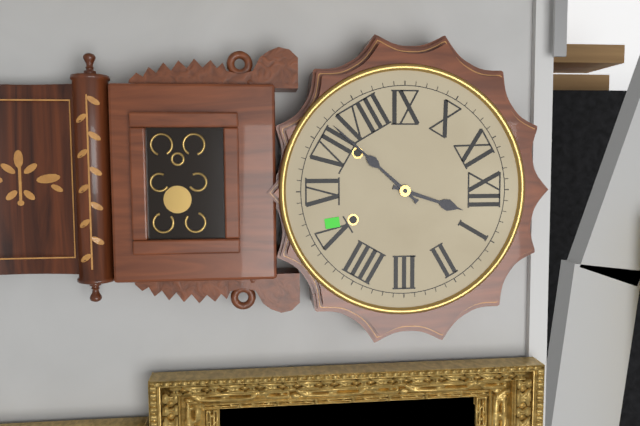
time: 12:37
